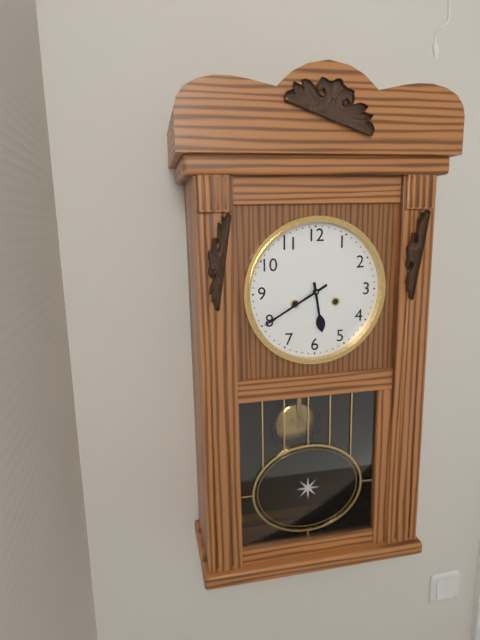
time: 5:40
